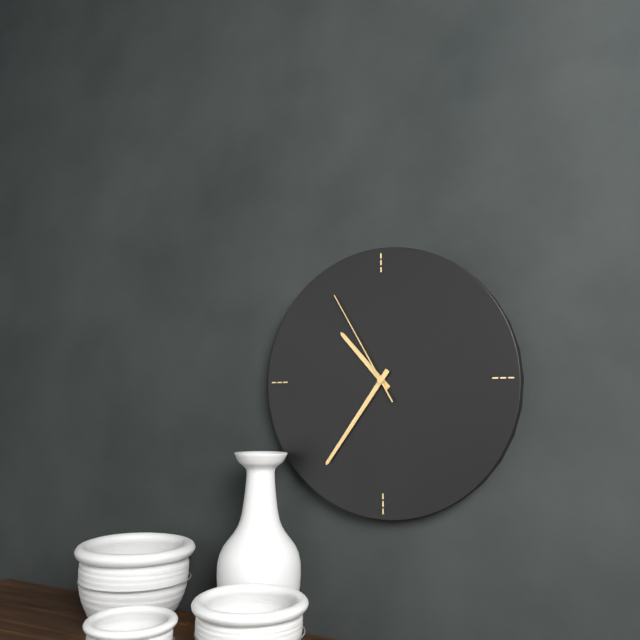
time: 10:36:55
